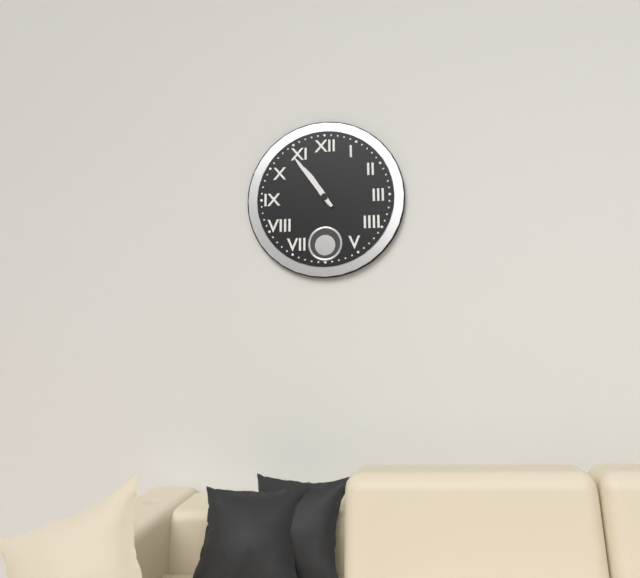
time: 10:54
